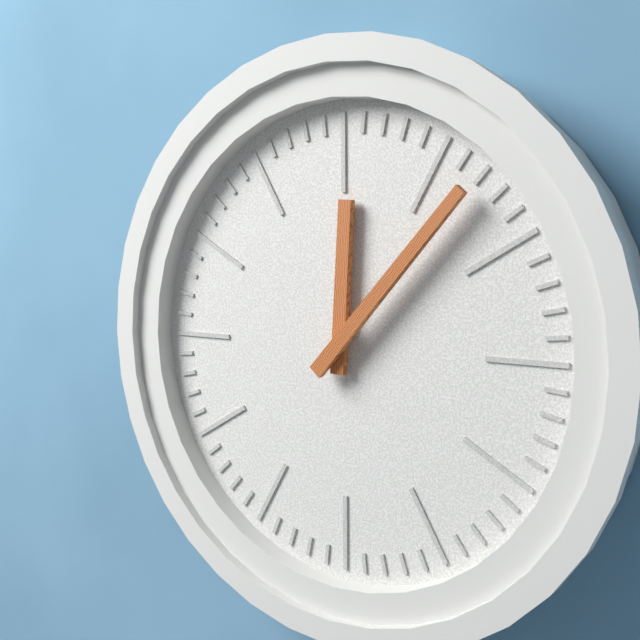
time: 12:07
